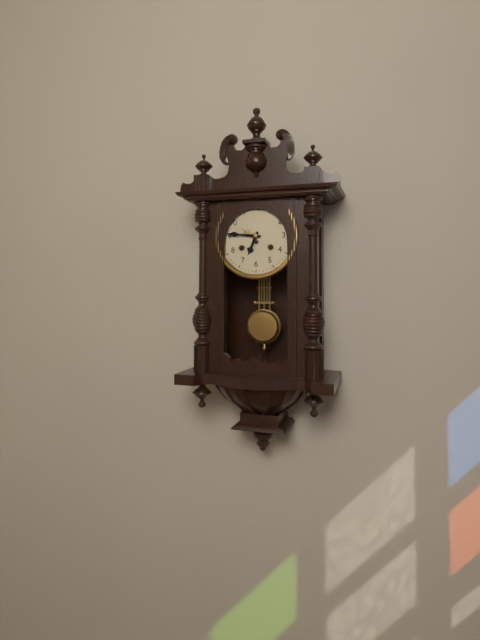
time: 6:46
